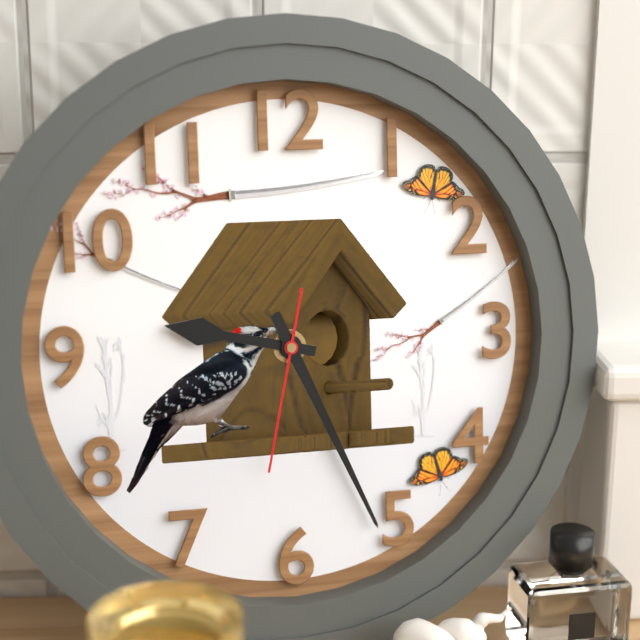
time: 9:26:32
